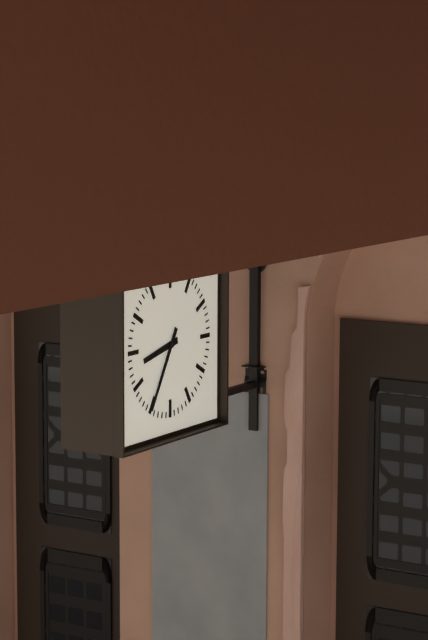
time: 8:35
